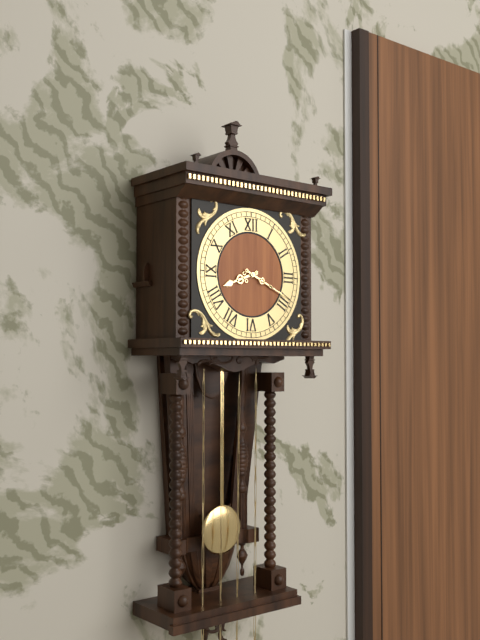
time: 8:19
